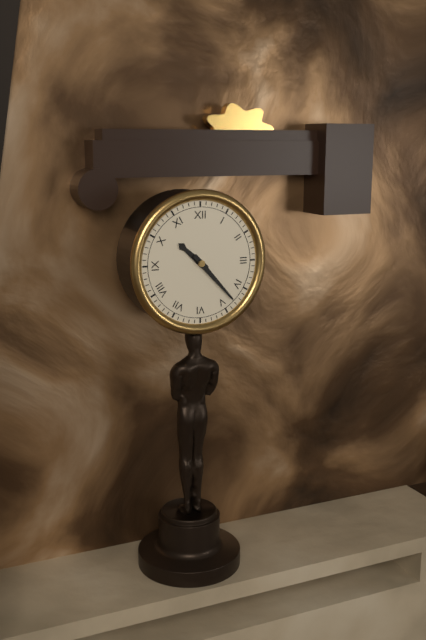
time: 10:23
